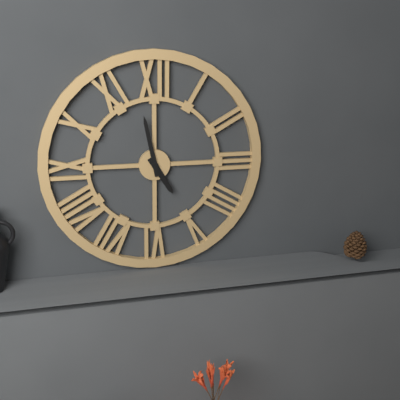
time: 4:58
